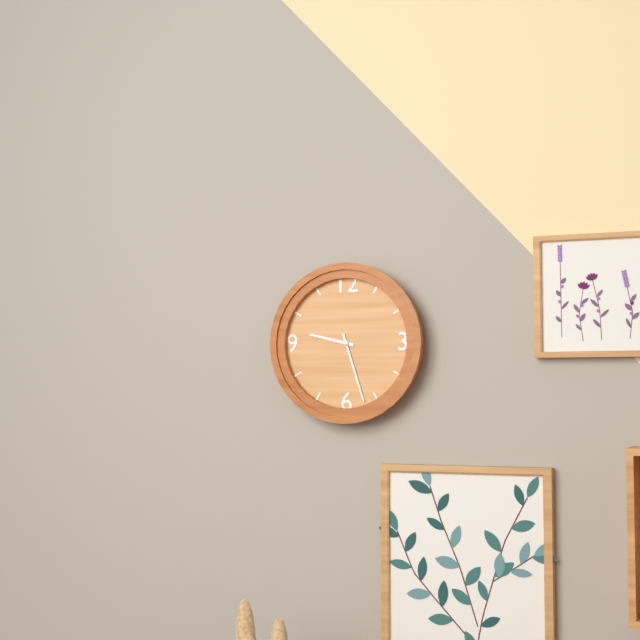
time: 9:27
